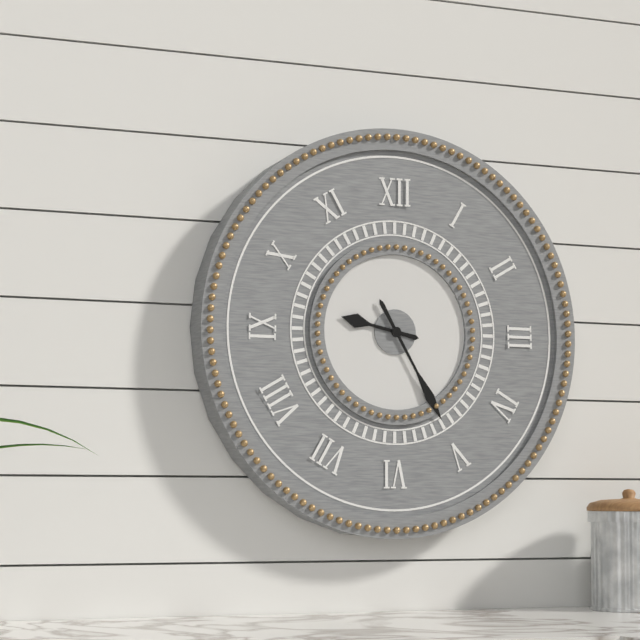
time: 9:25
